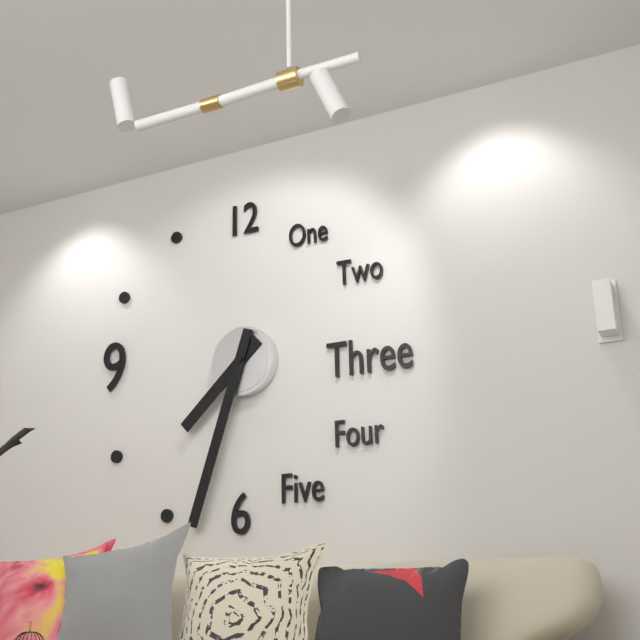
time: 7:33
